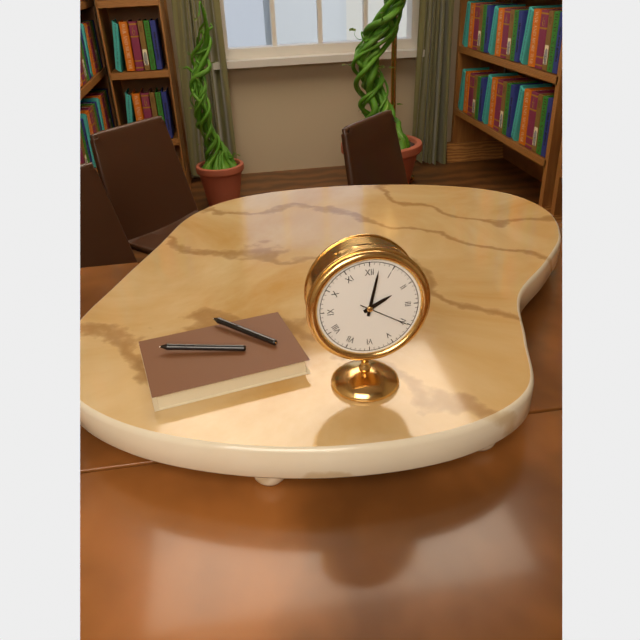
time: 2:02:20
